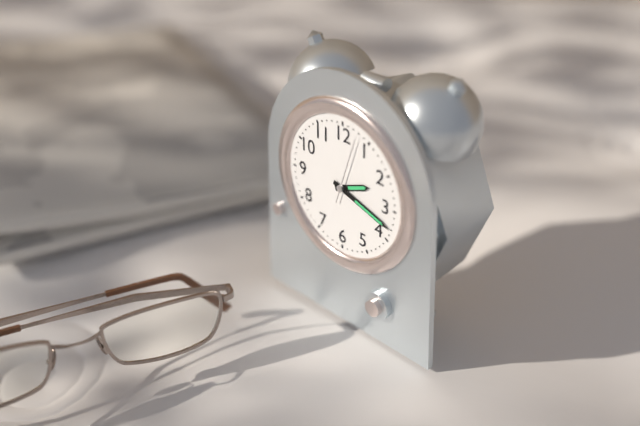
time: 2:18:03
